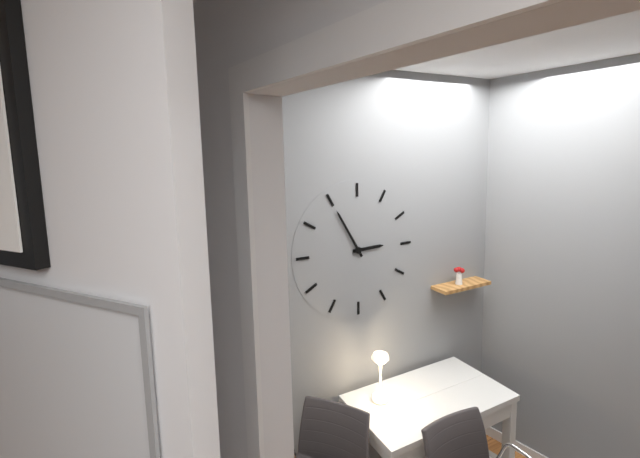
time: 2:55
